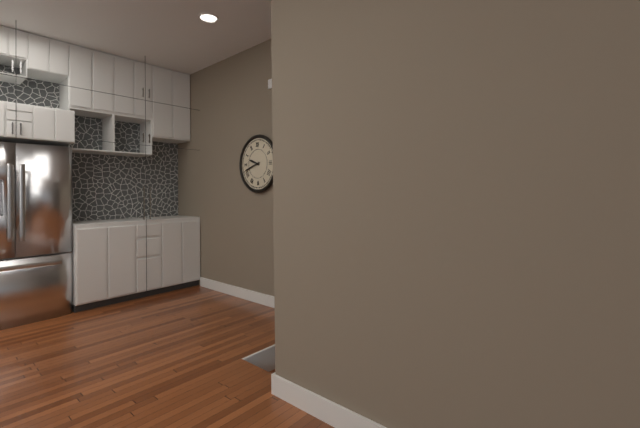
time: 9:42
